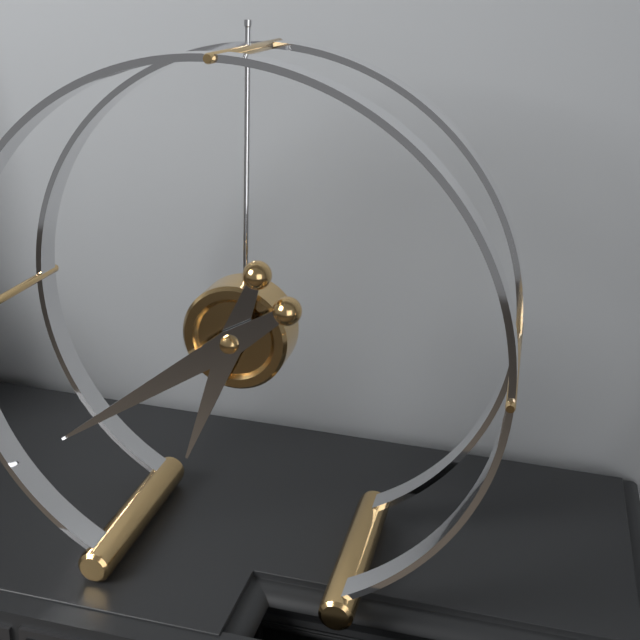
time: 6:39
